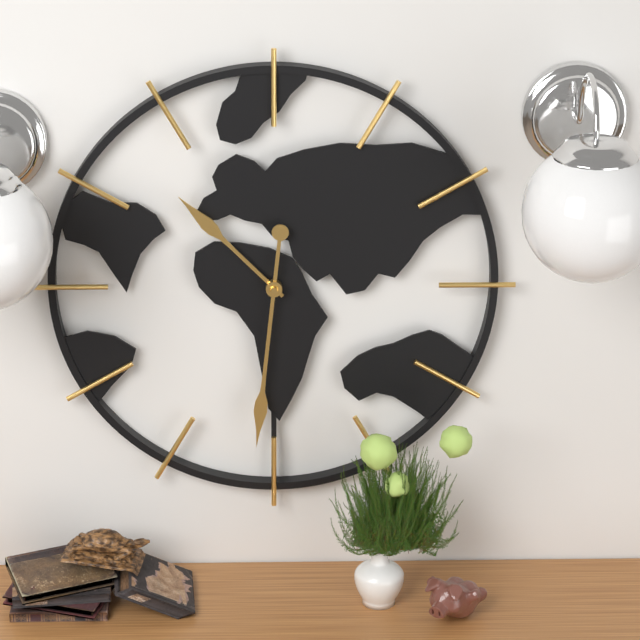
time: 10:31
